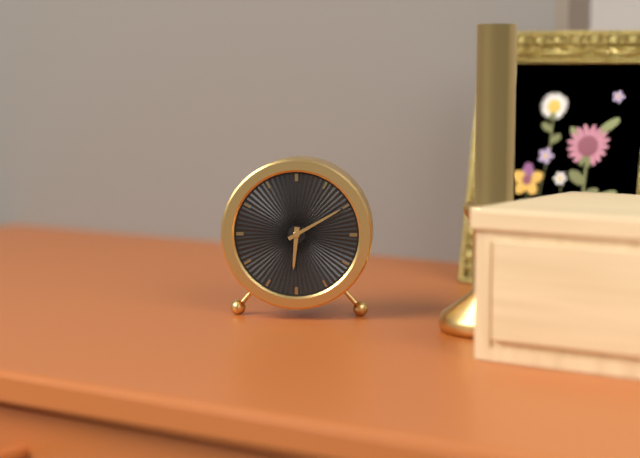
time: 6:10
